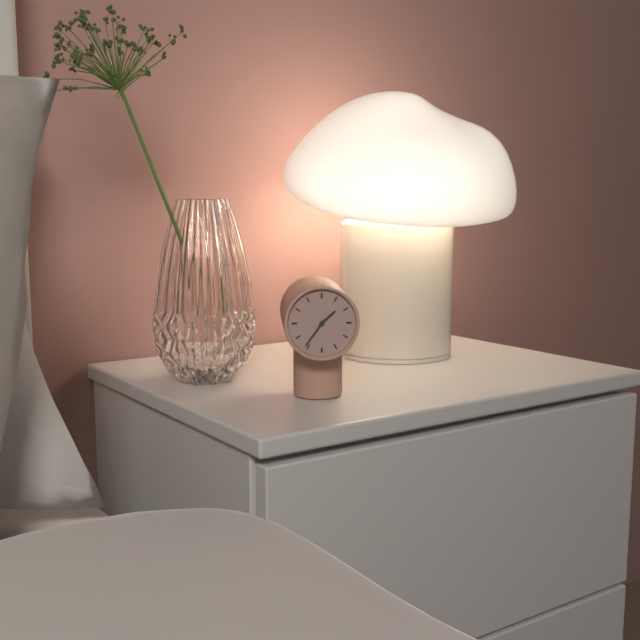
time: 1:36
